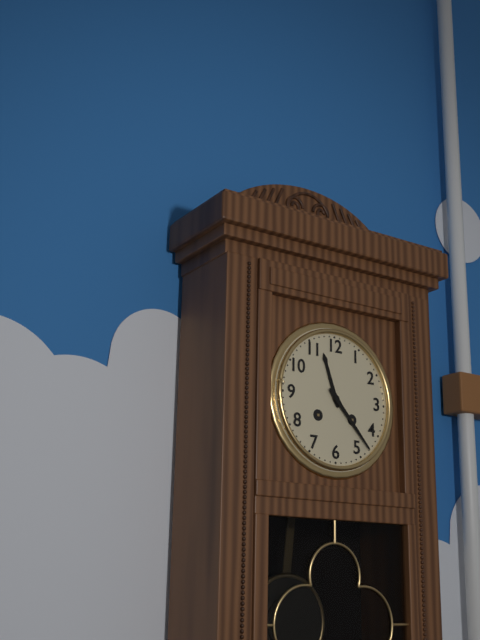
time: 11:23
